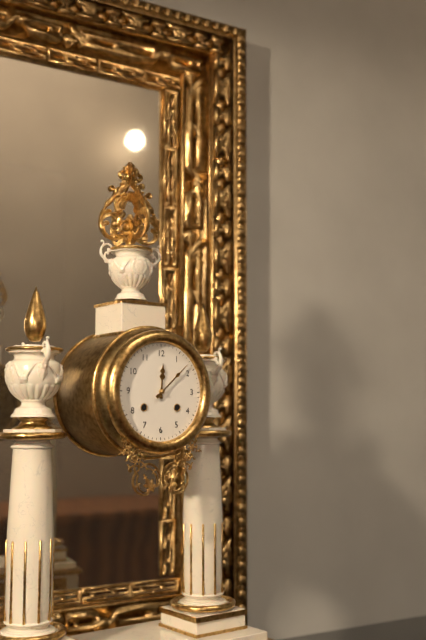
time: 12:08
